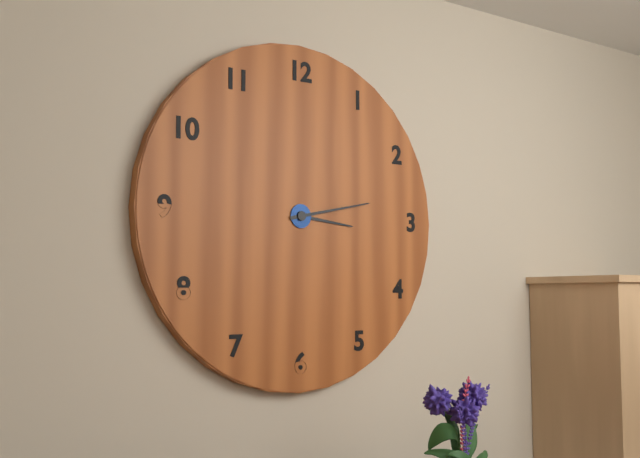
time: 3:13
